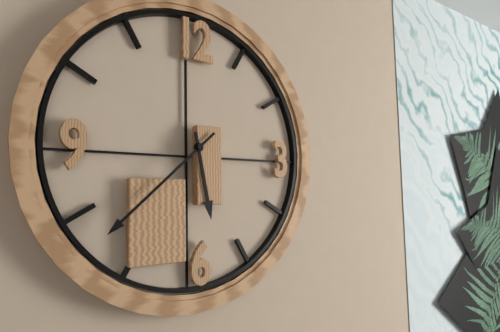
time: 5:38
